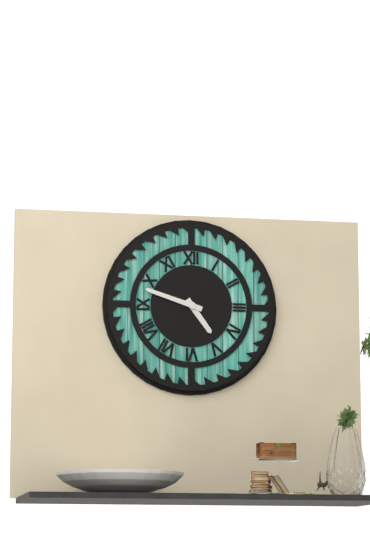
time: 4:48
